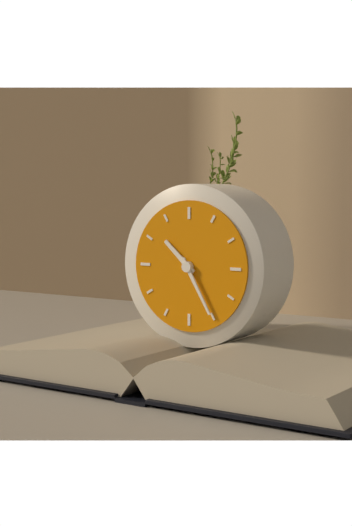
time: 10:25
